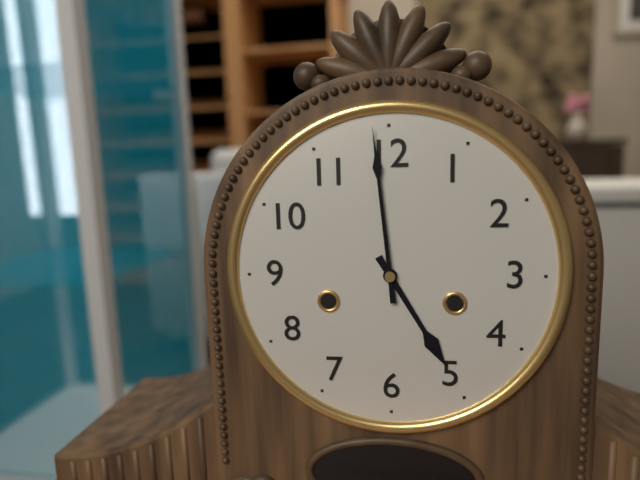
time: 4:59
